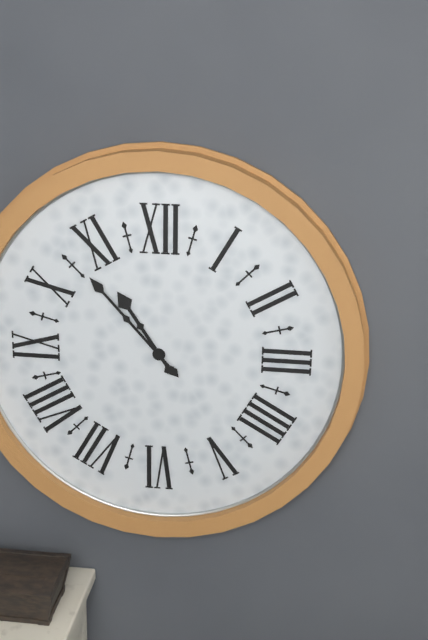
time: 10:53
